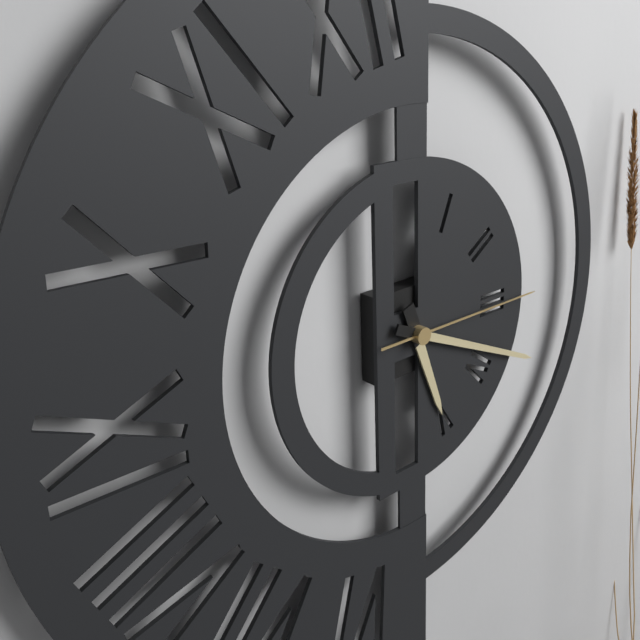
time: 5:19:15
